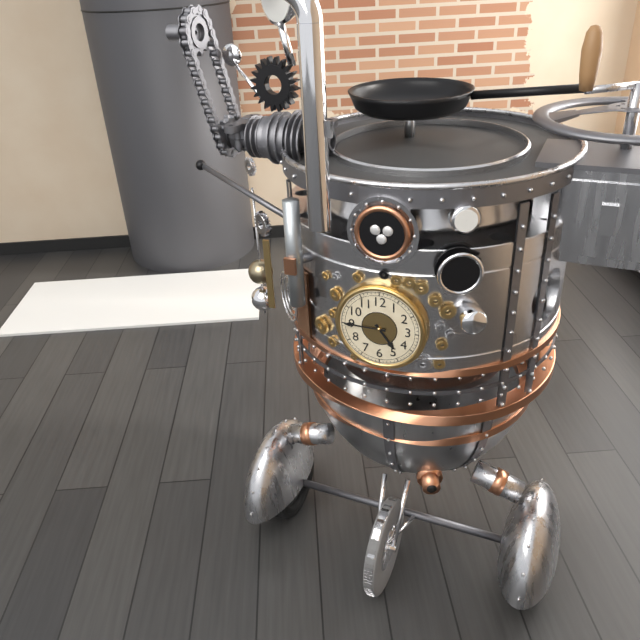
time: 4:45
